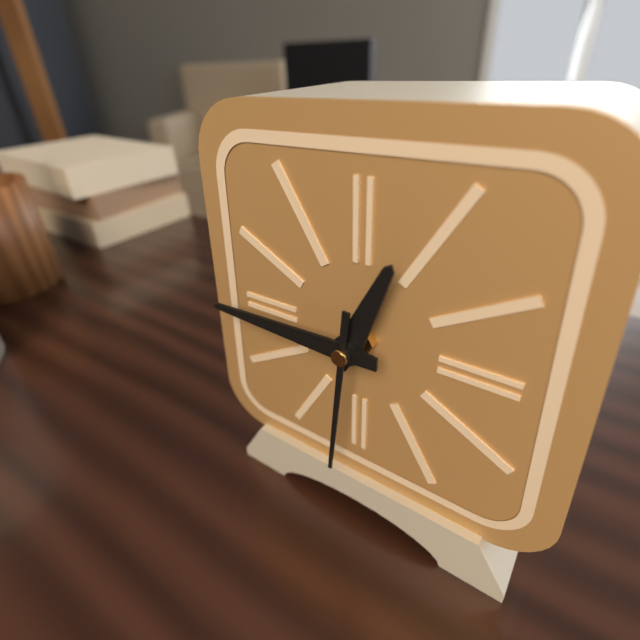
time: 12:45:31
